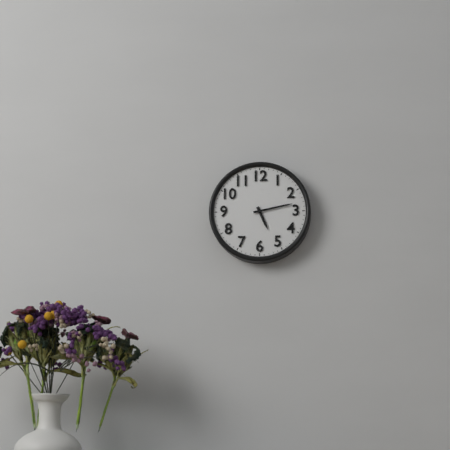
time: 5:13
